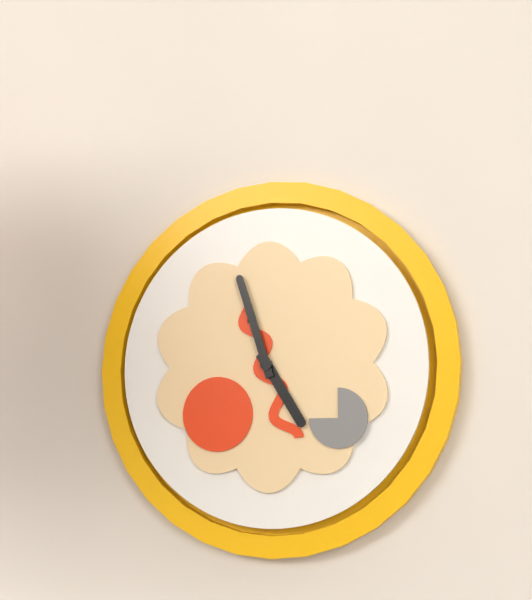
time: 4:57
